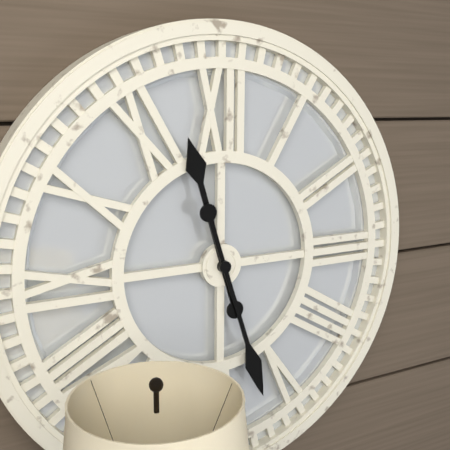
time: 11:27
